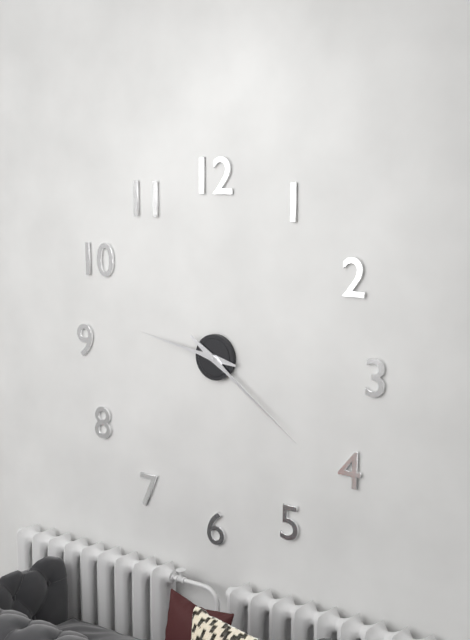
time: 9:21
